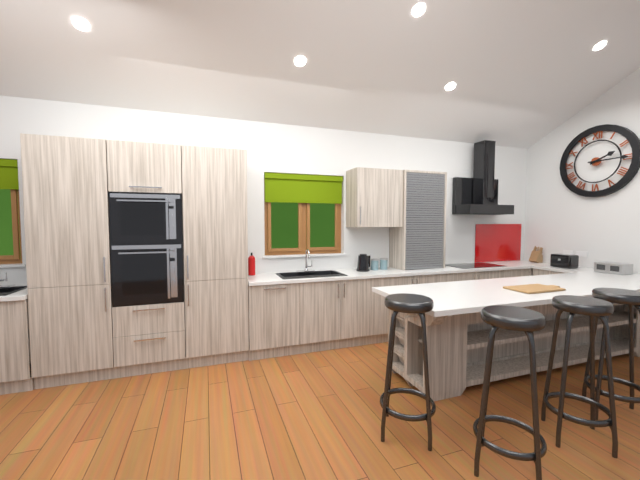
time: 2:15
